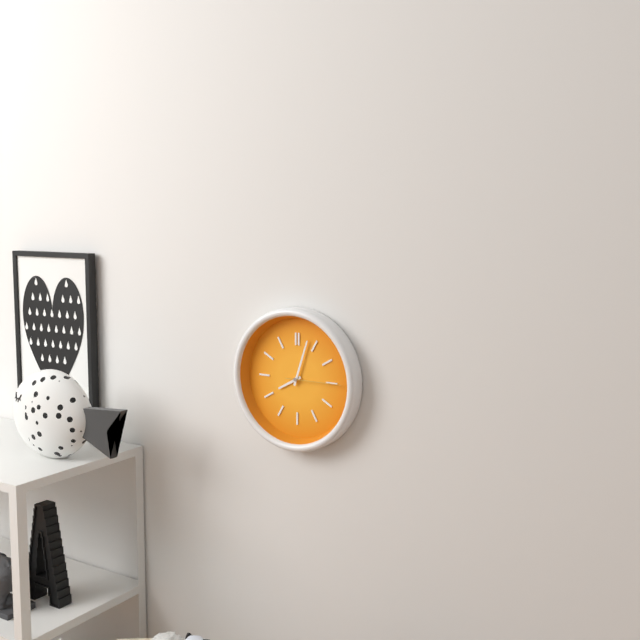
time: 8:03:15
